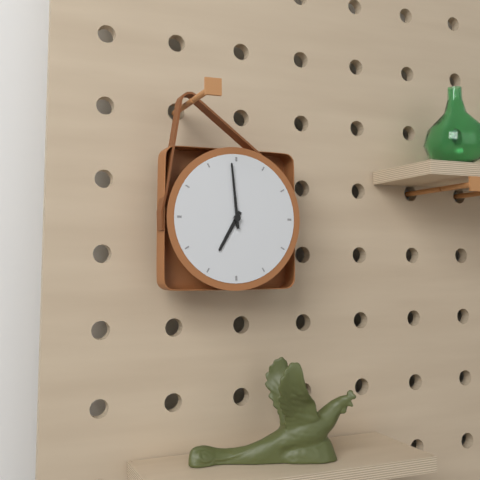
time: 6:59
